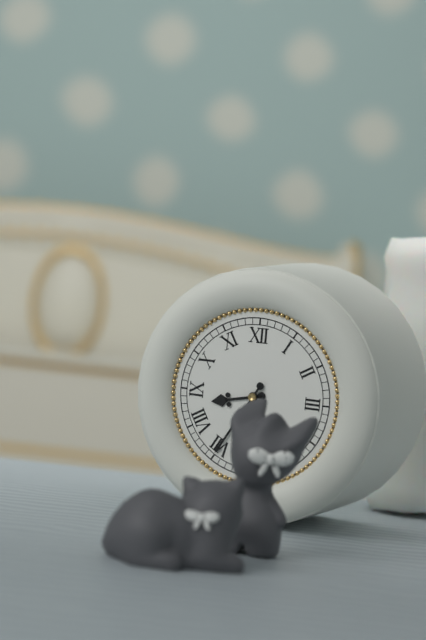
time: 8:35
